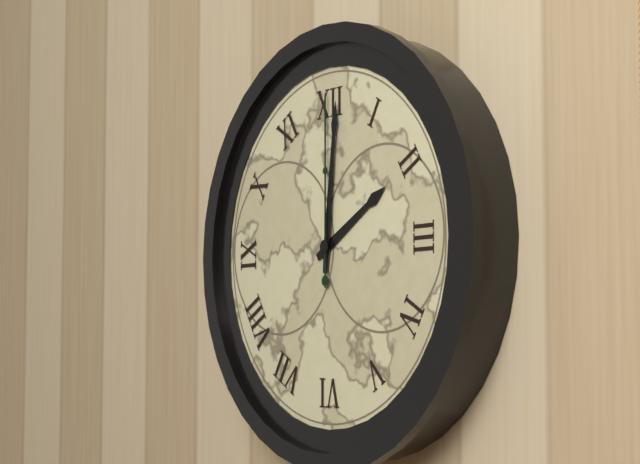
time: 2:01:00
